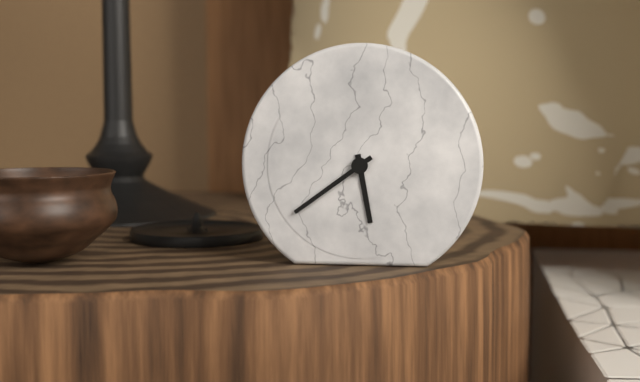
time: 5:39
